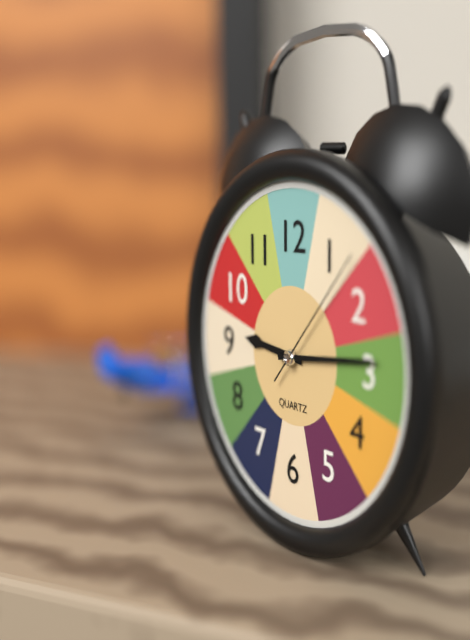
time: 9:14:07
